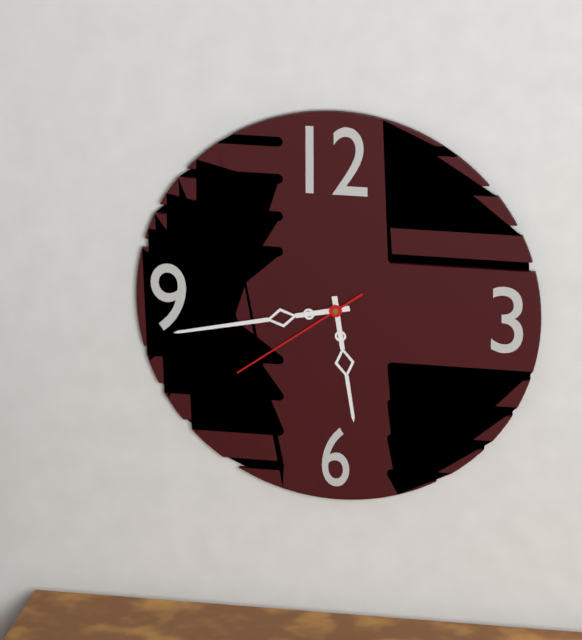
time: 5:43:39
